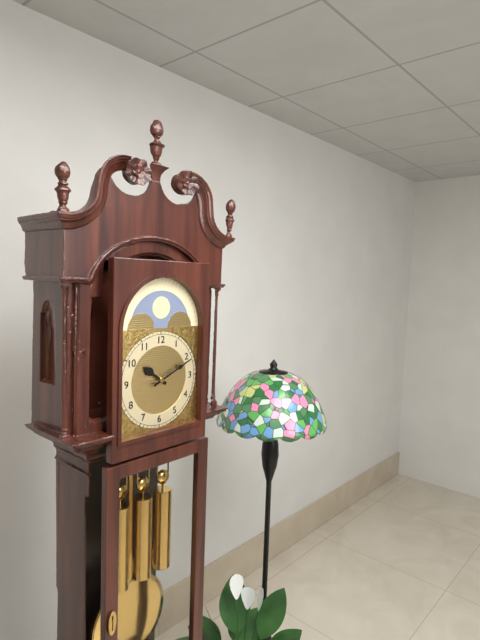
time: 10:11
